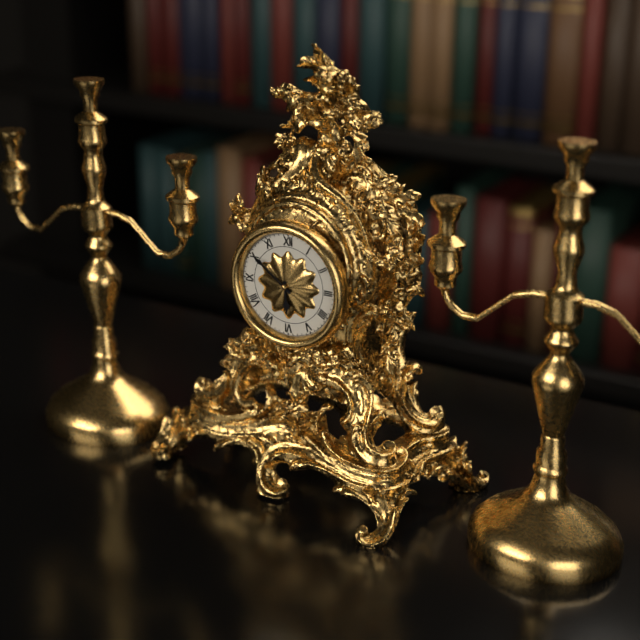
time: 5:51
